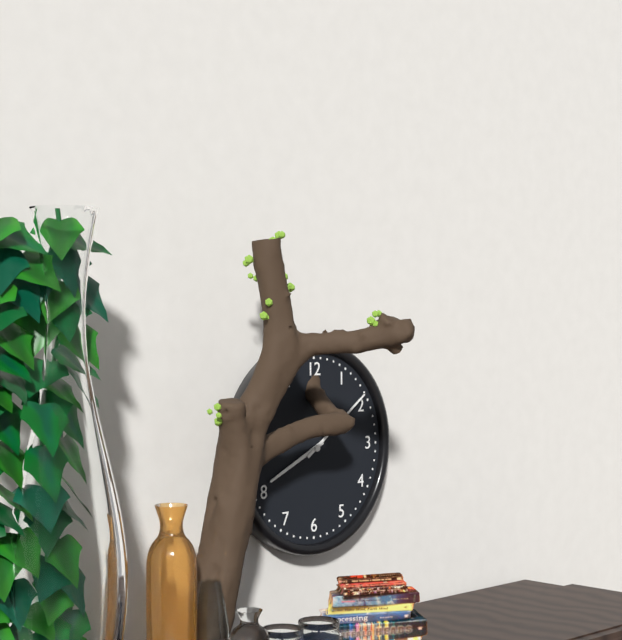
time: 8:09
